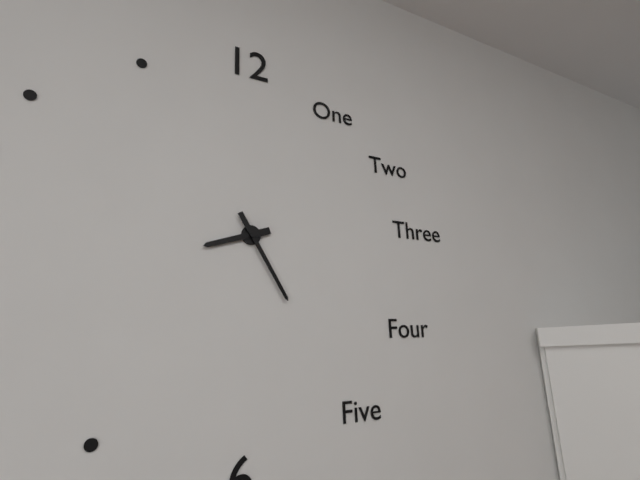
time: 8:25
